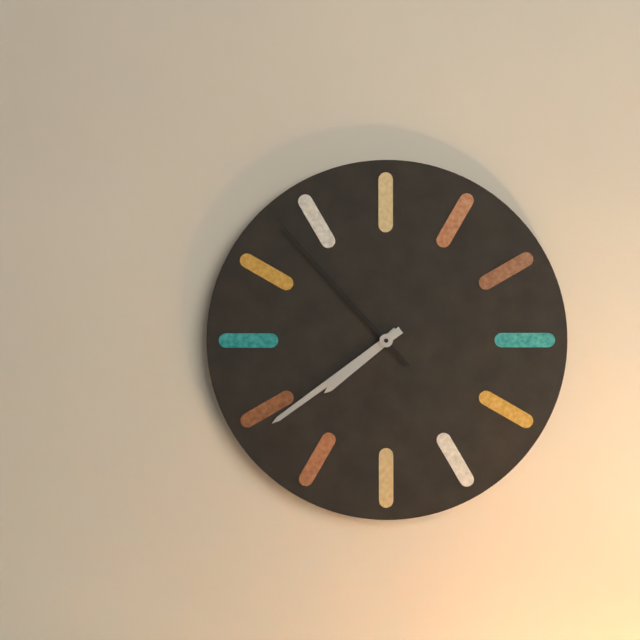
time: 7:39:53
